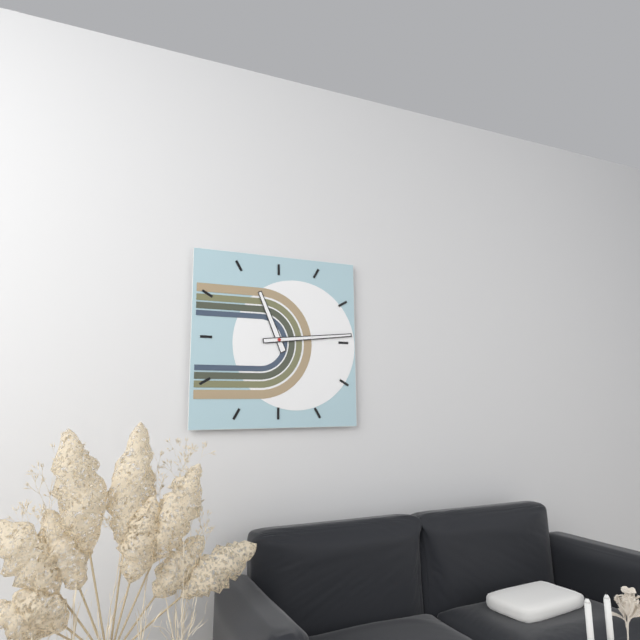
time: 11:14
